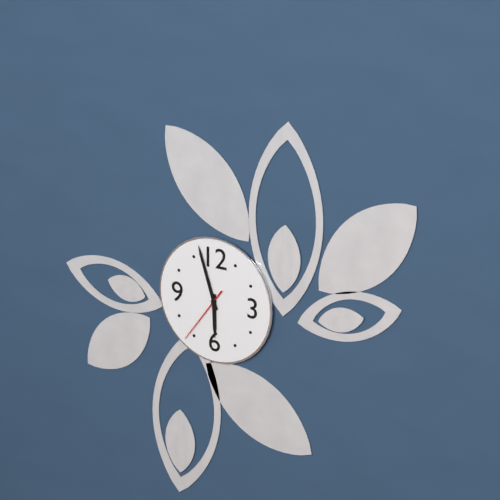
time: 5:57:36
